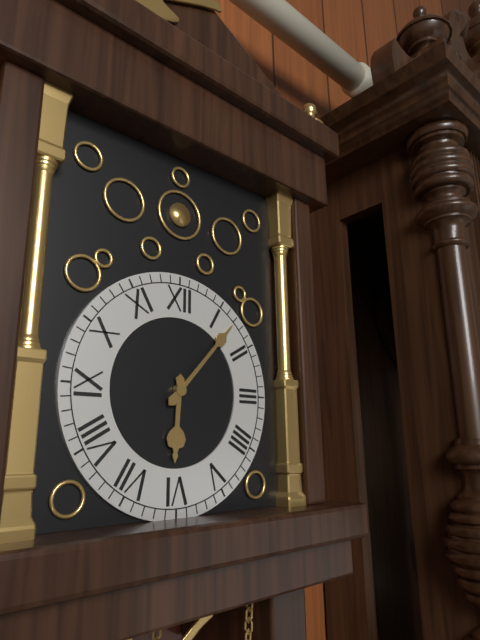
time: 6:07
